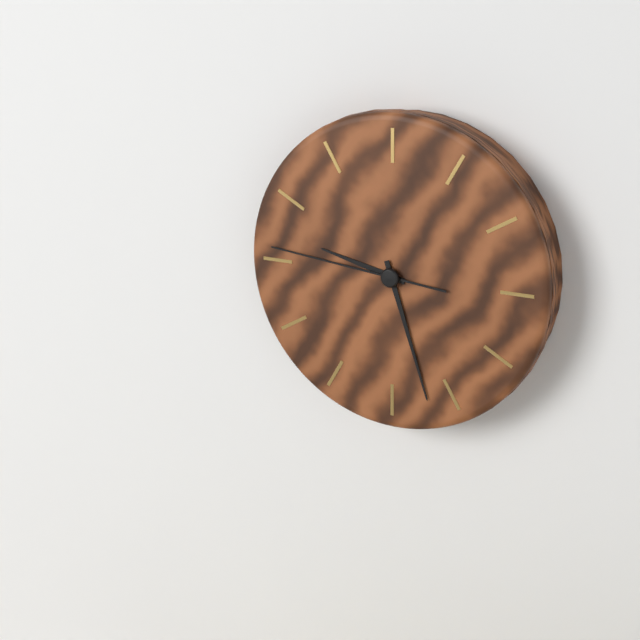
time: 9:27:46
